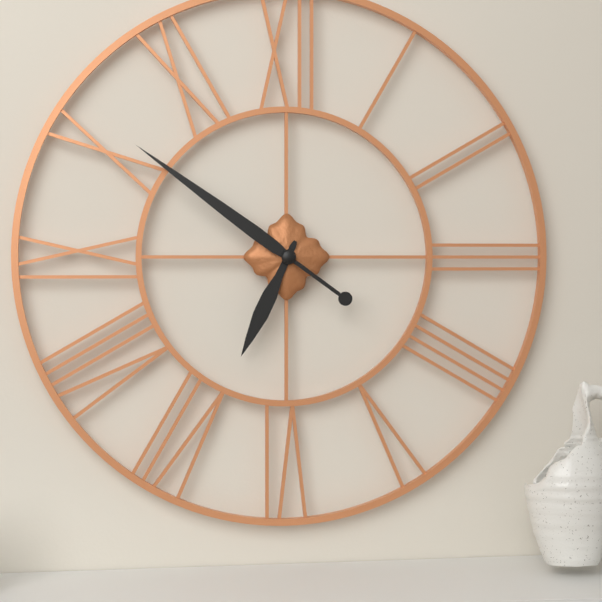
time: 6:51
